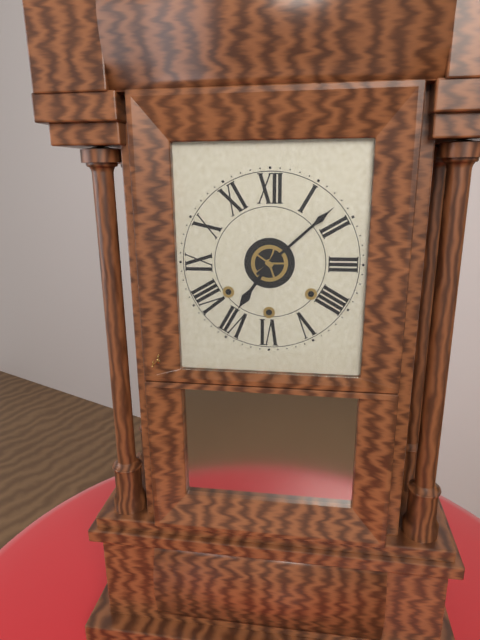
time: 7:08
